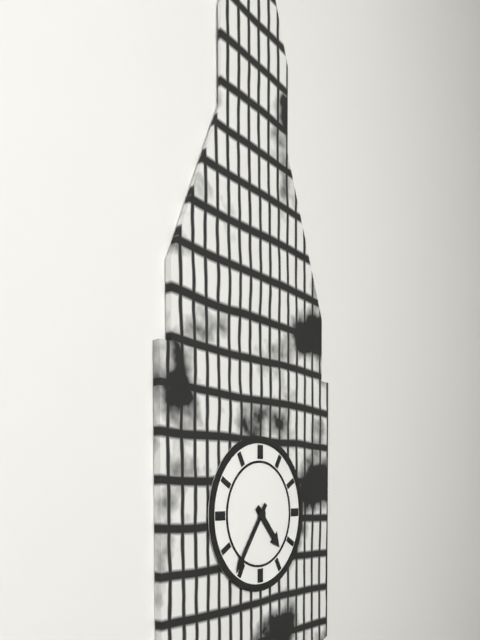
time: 4:36
